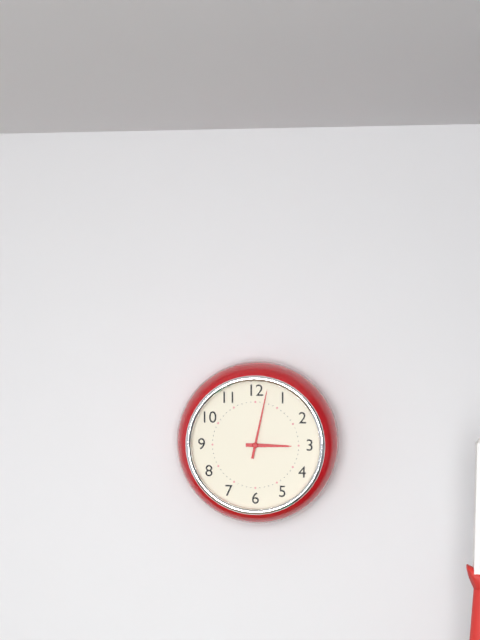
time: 3:02
